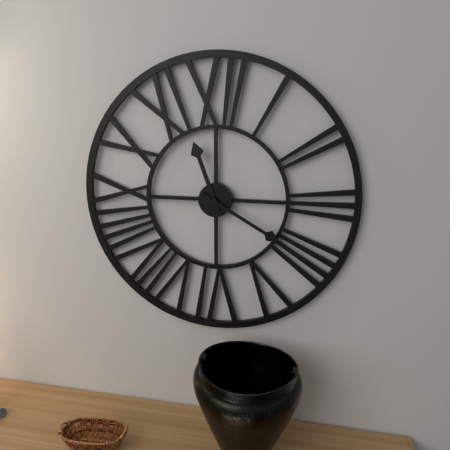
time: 11:20
